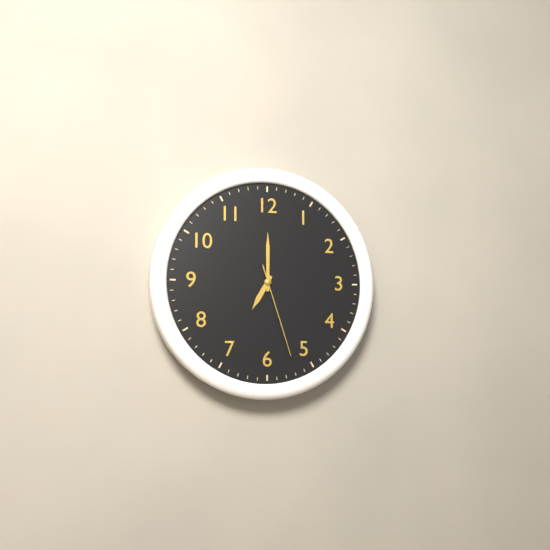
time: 7:00:27
